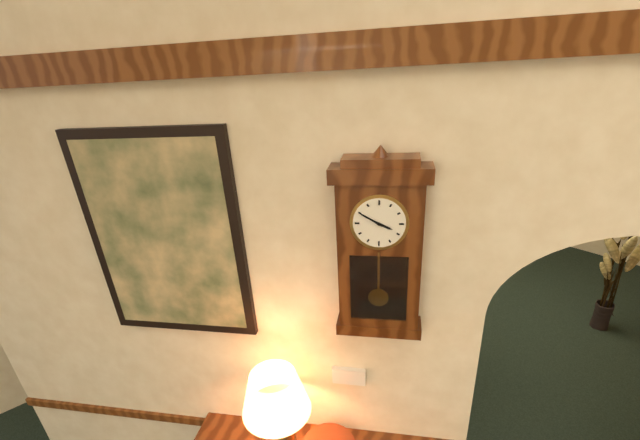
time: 3:50
